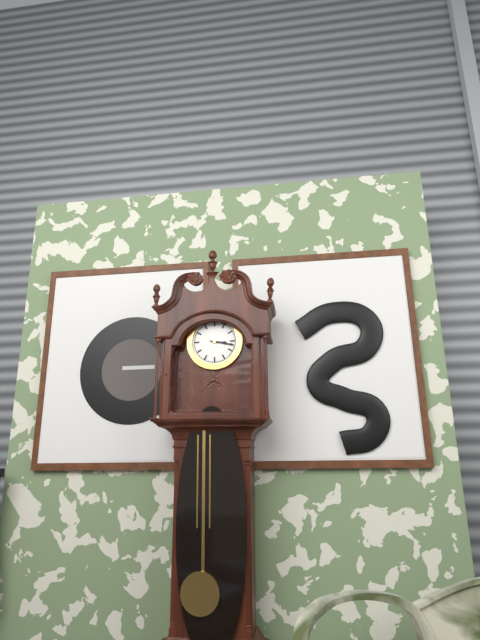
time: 3:17
